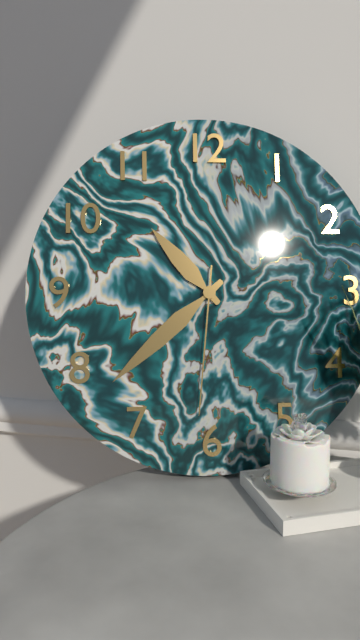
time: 10:38:31
